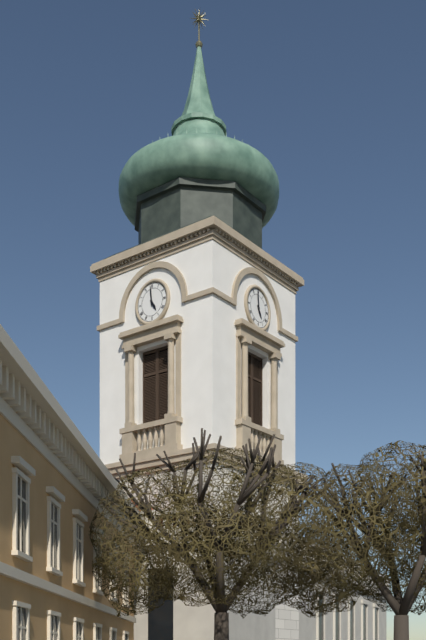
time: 4:59
